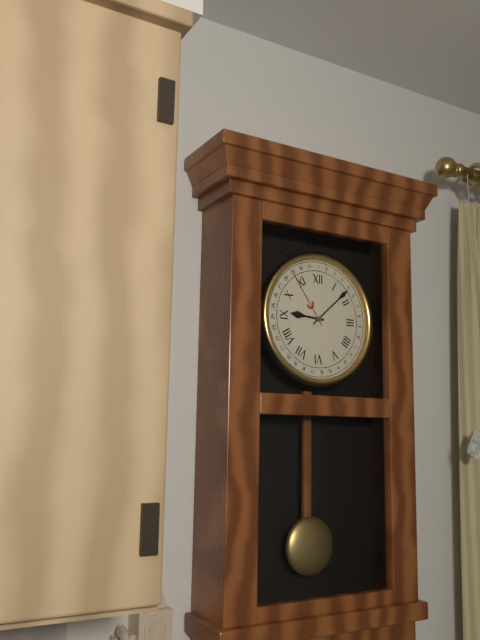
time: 9:08
